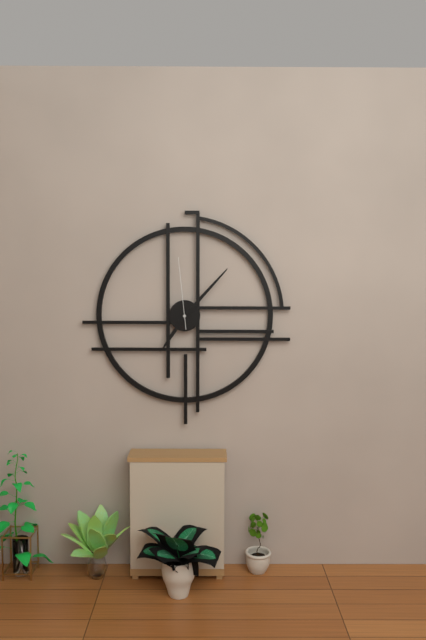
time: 7:07:59
